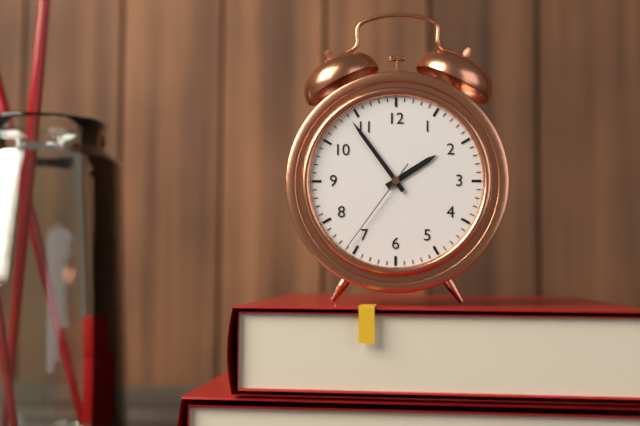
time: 1:54:36
